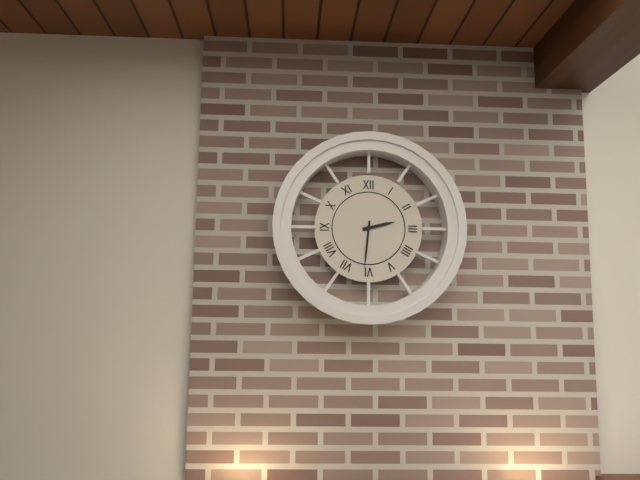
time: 2:31
